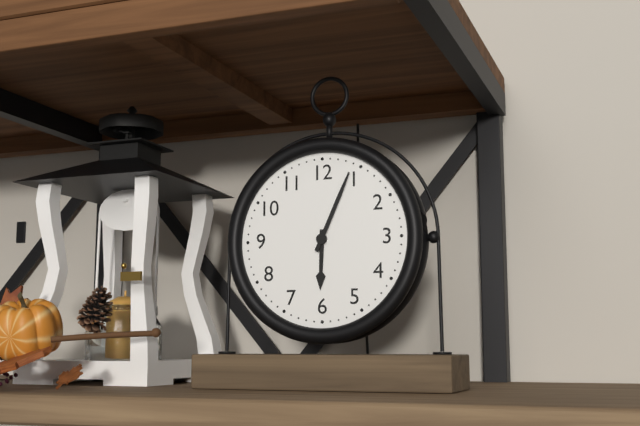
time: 6:04
